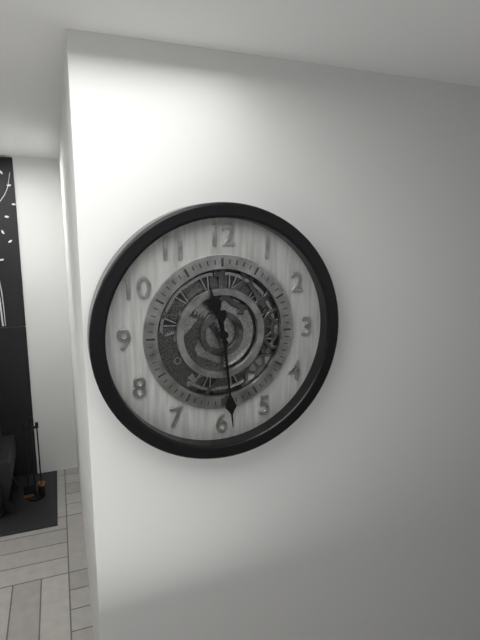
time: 11:29
